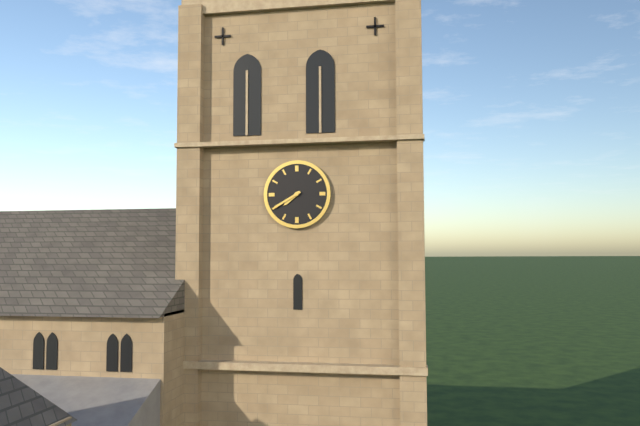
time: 7:40
